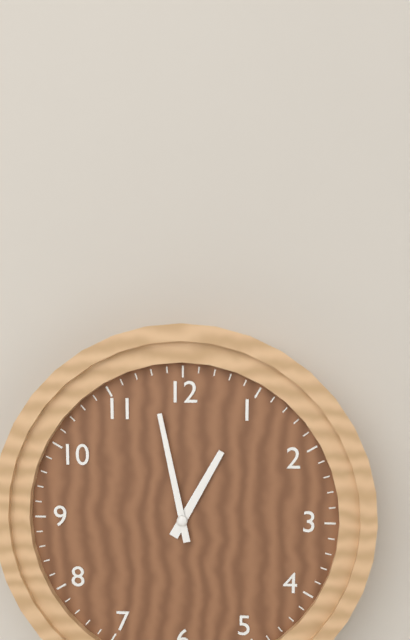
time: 12:58
